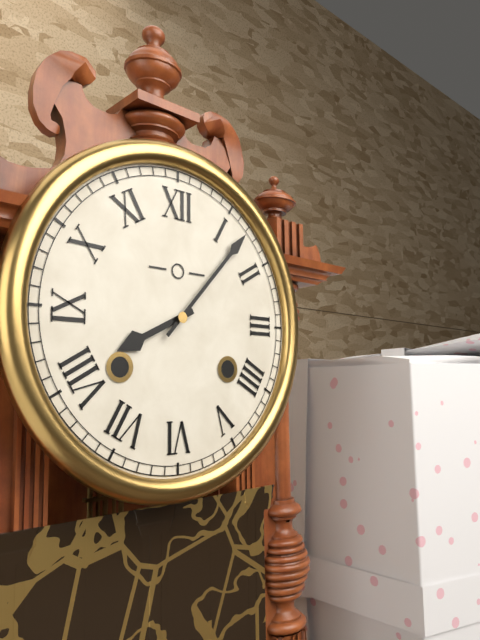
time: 8:07
